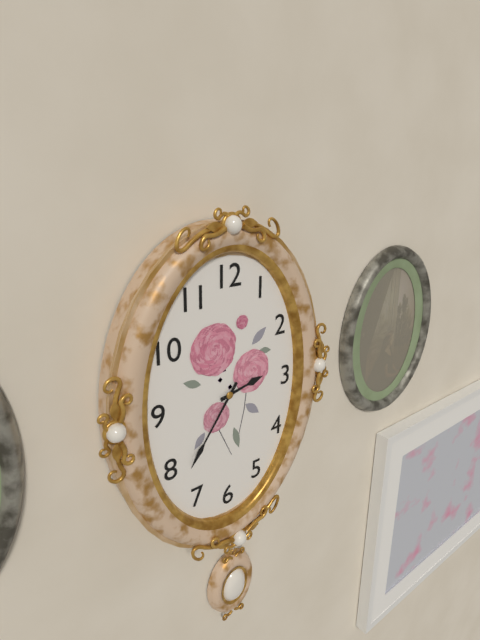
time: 2:36
